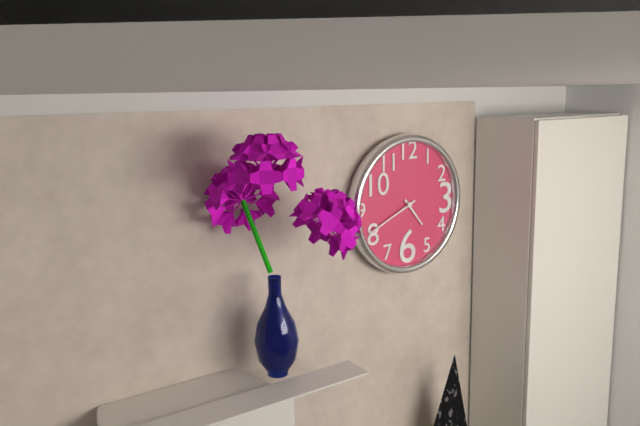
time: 4:41
